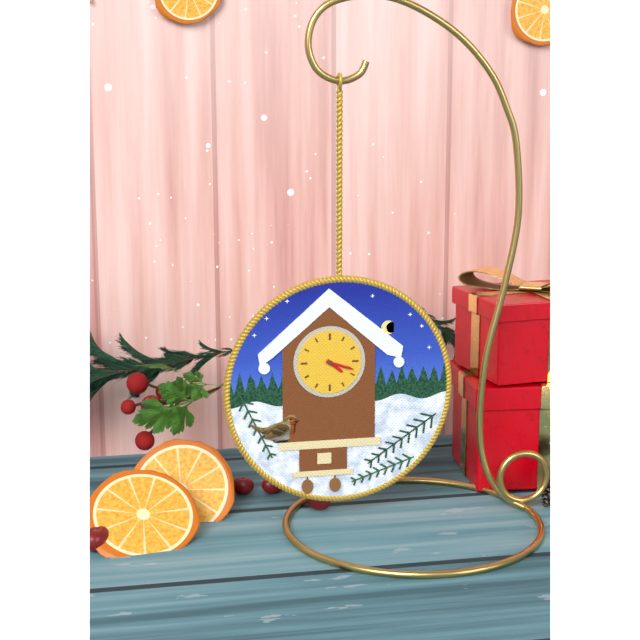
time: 4:18
